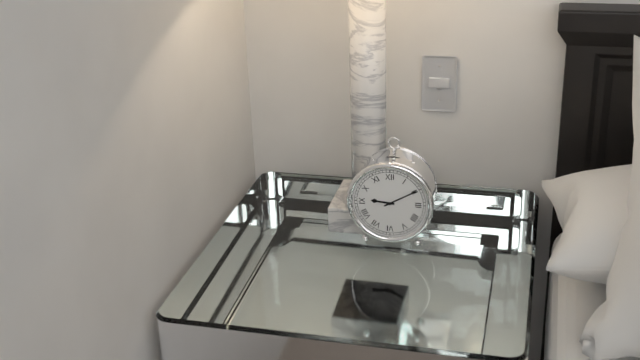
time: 9:10
